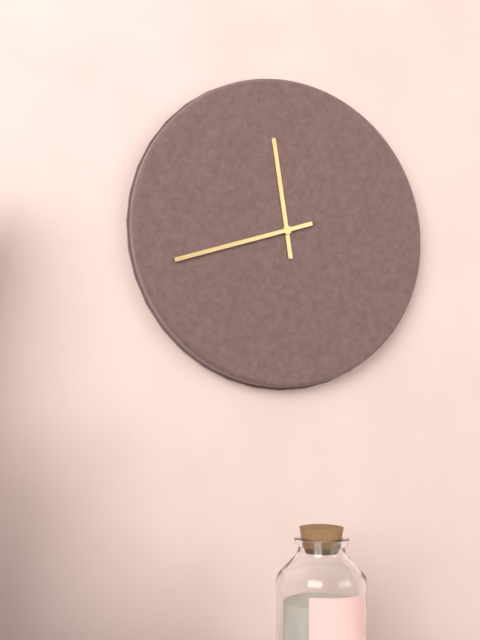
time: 11:42
